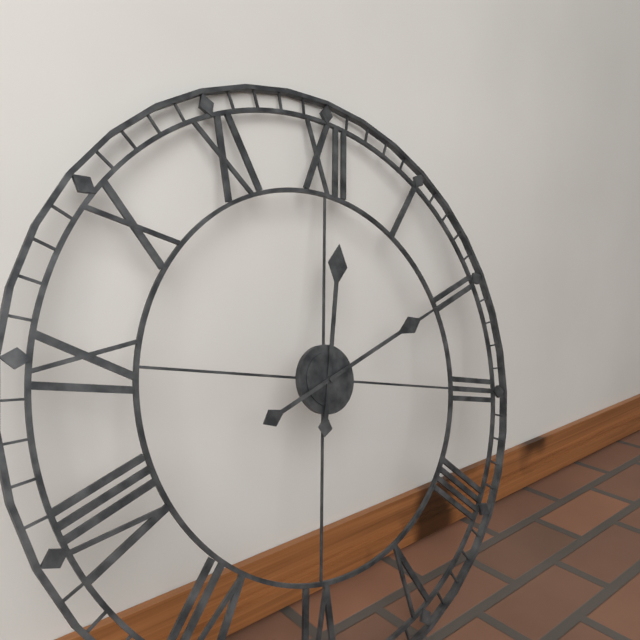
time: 12:10
